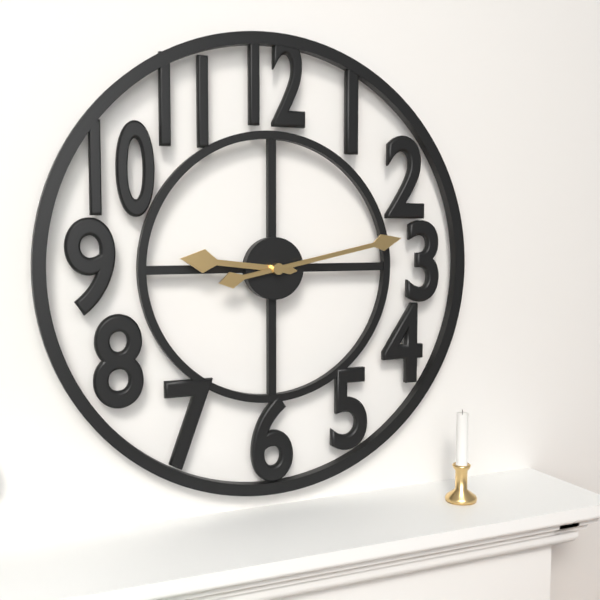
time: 9:13
